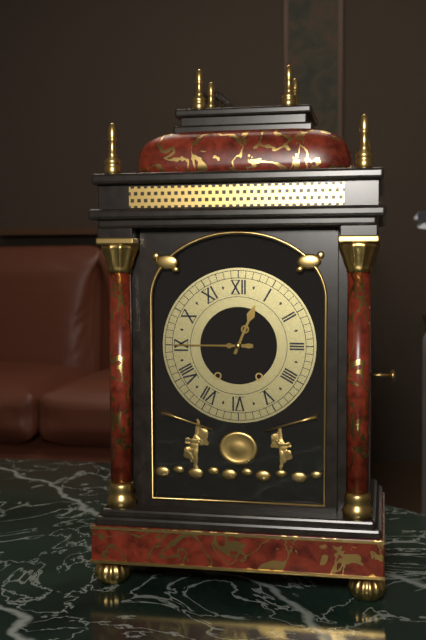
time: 12:45
